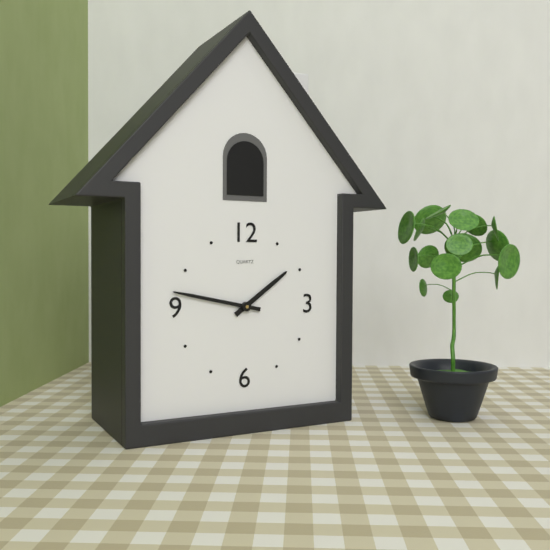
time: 1:47
